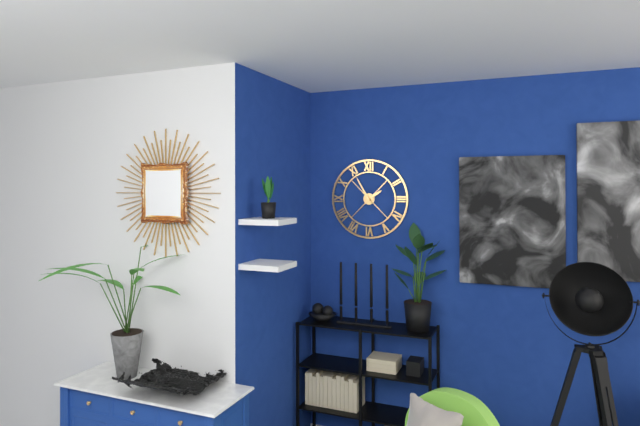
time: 1:55
